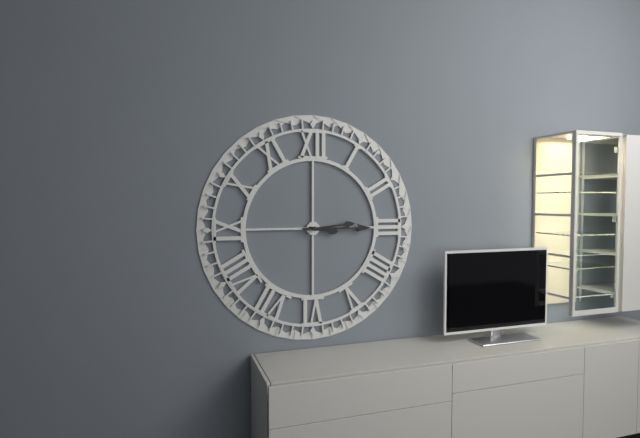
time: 3:15:14
